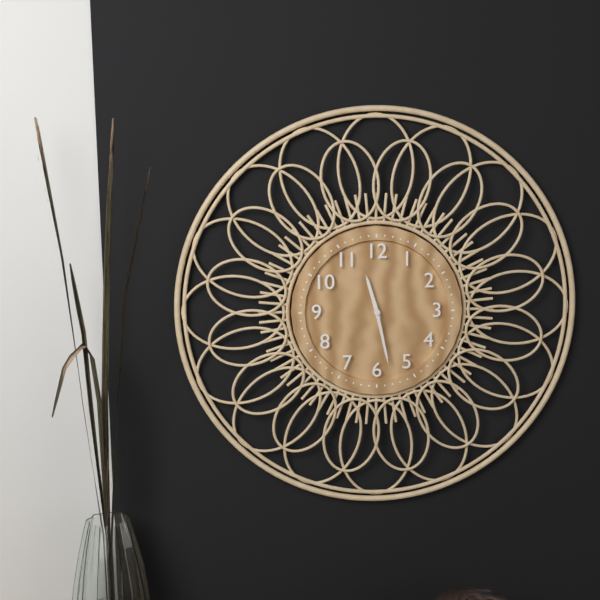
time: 11:28
